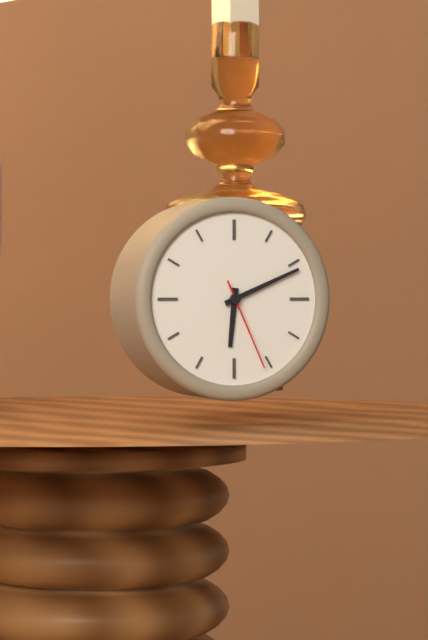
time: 6:11:26
